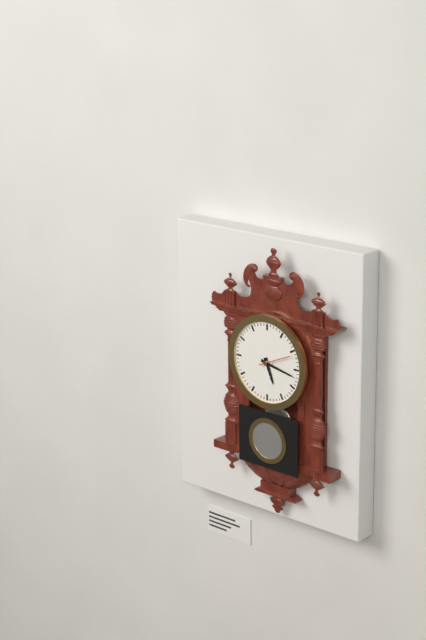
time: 5:17
